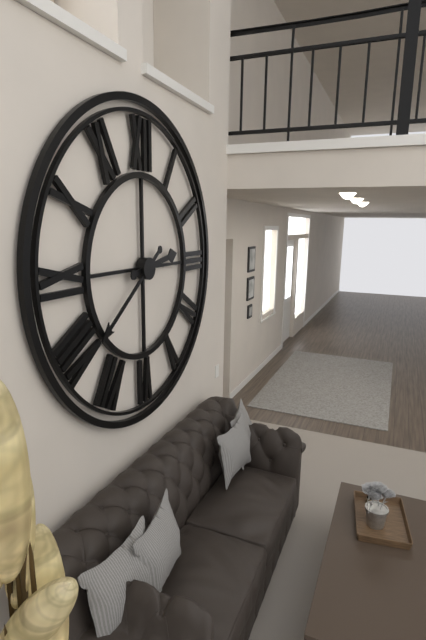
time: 2:39
